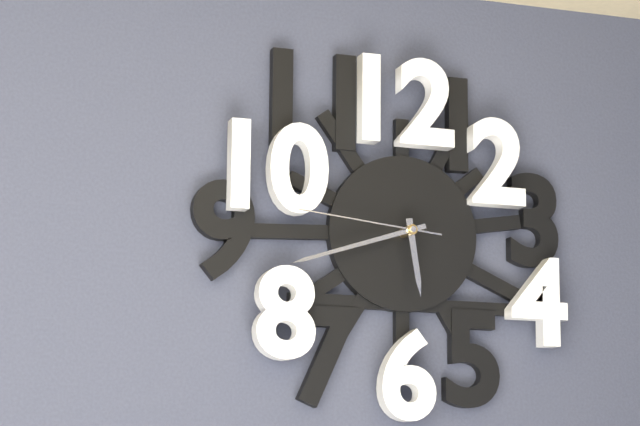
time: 5:42:46
